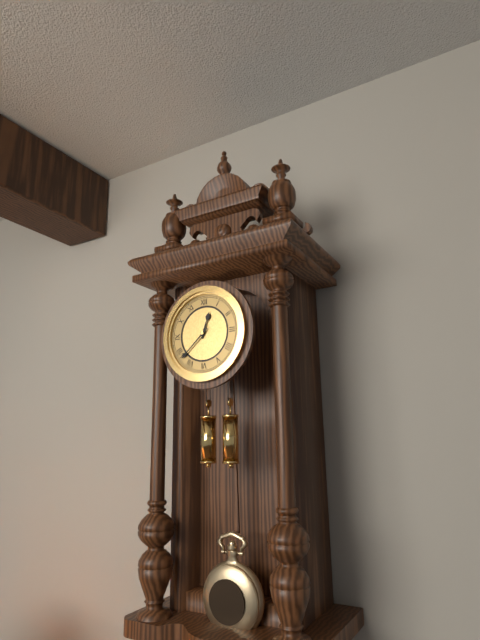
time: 12:38
